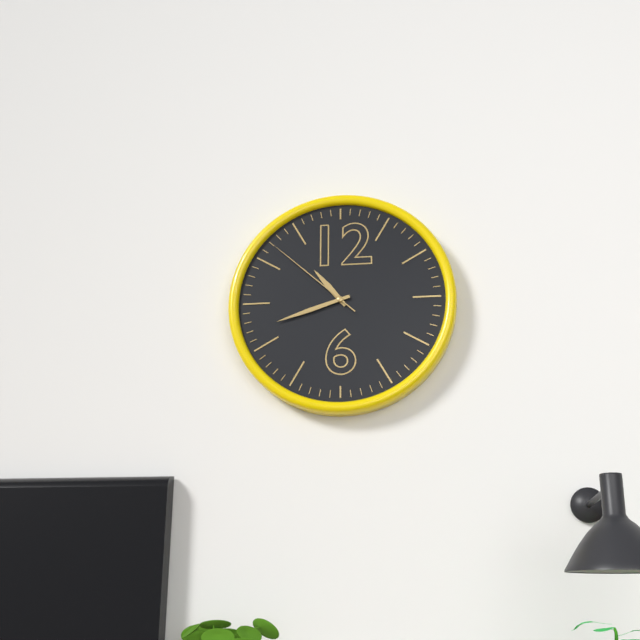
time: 10:42:52
